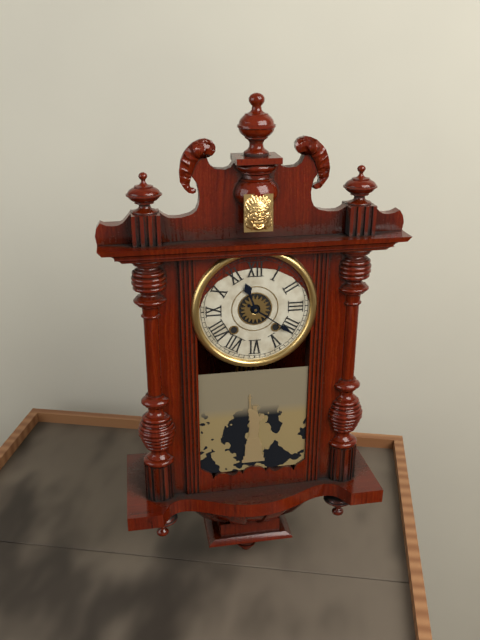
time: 11:21
